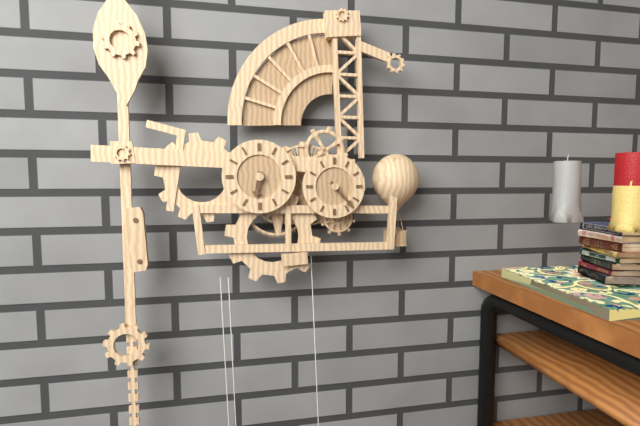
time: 6:23
